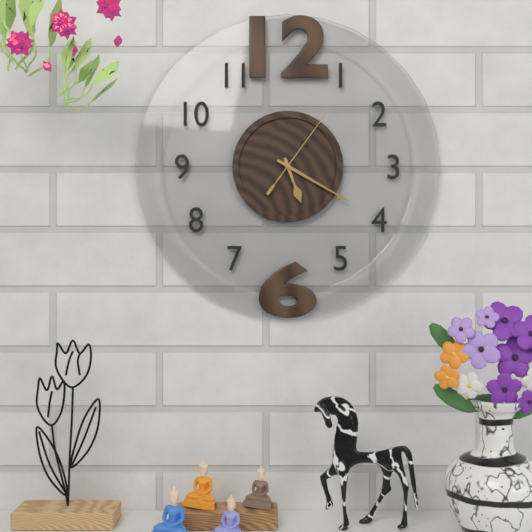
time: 5:20:06
